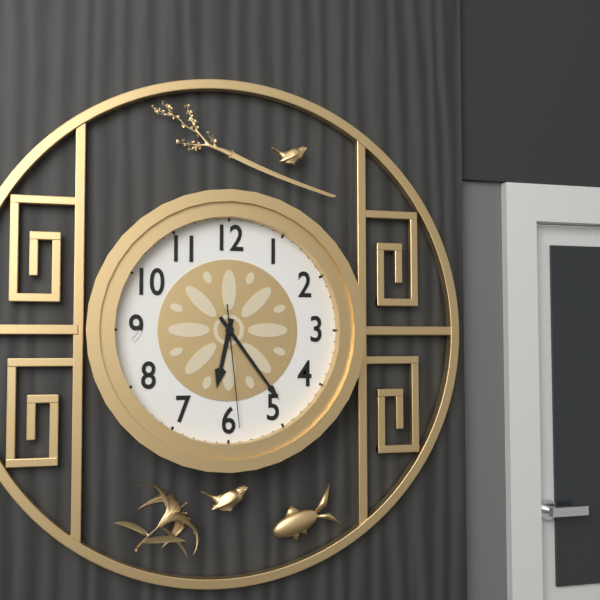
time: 6:24:29
